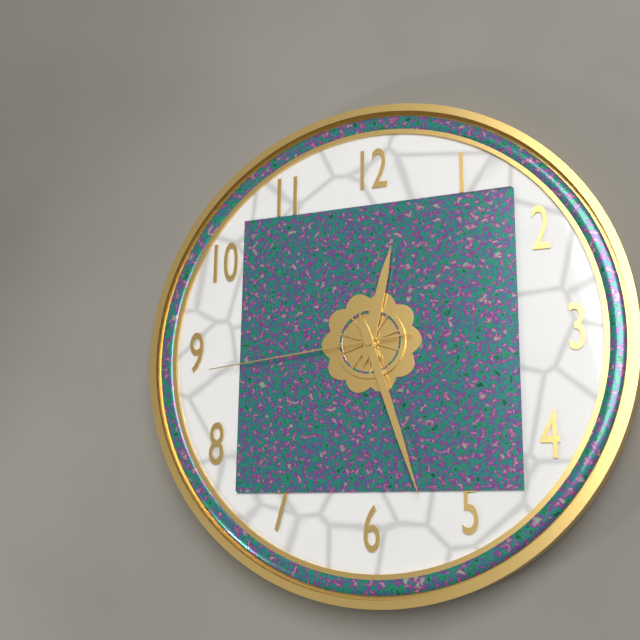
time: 12:27:44
